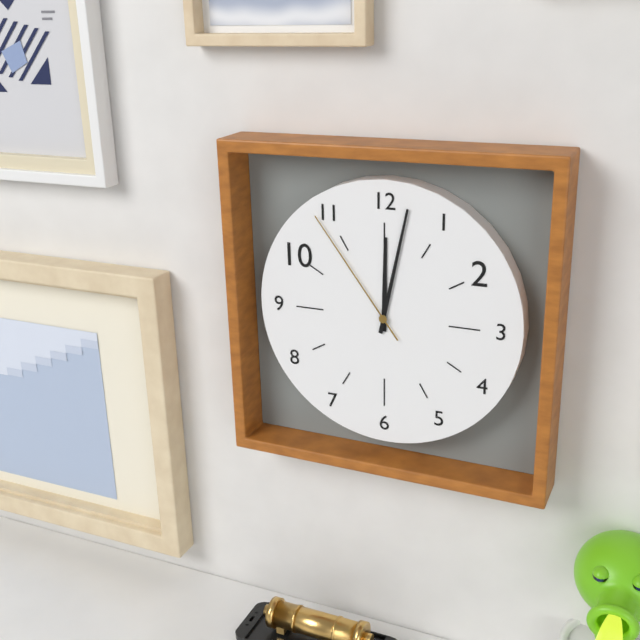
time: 12:02:54
